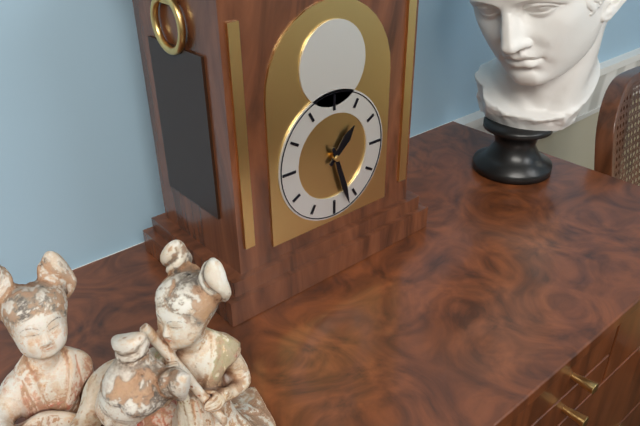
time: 1:27
